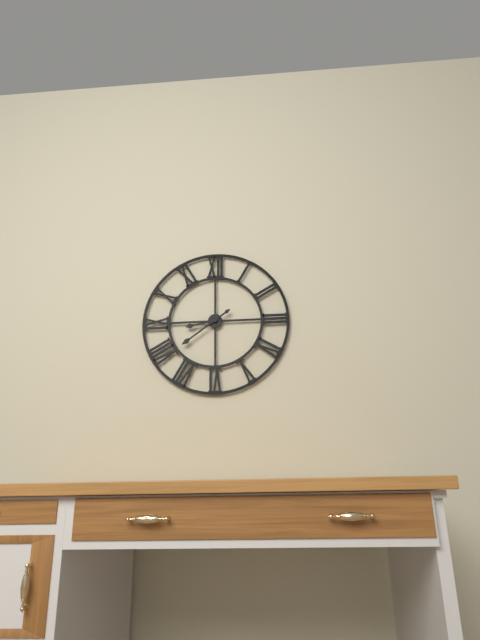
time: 8:39
